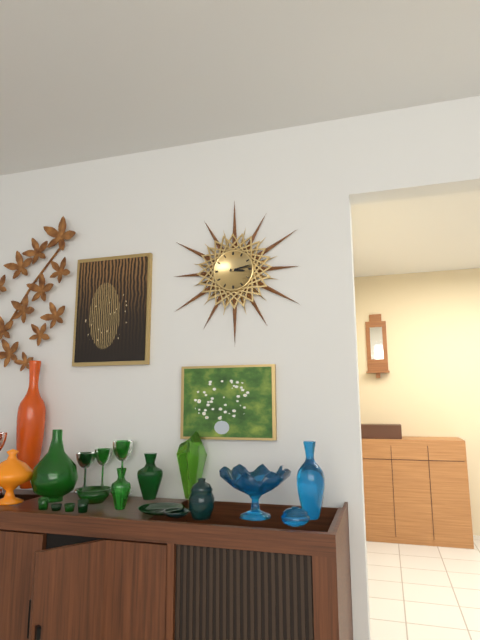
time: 3:13
